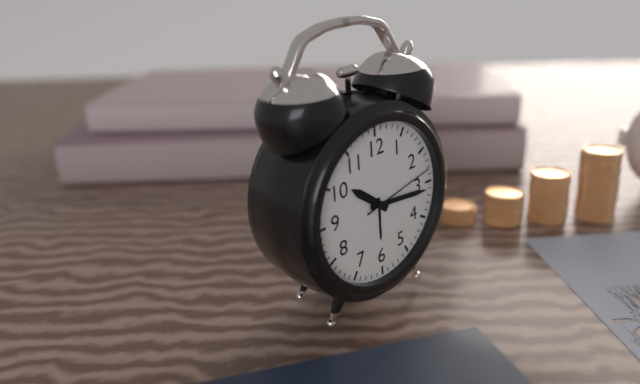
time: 10:16:13
